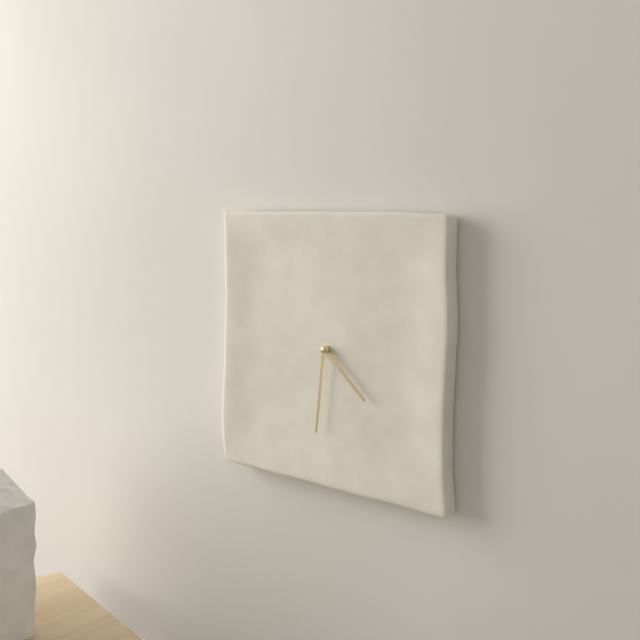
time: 4:31
